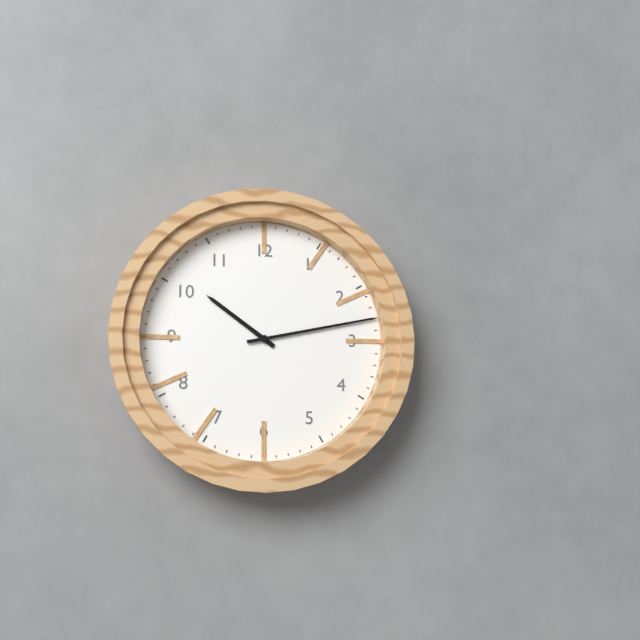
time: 10:13
